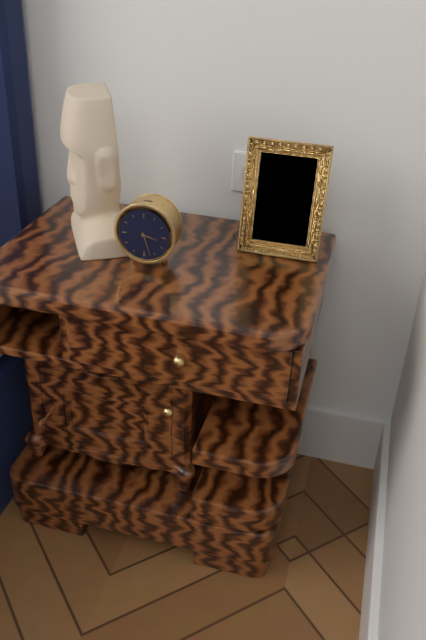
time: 3:27
